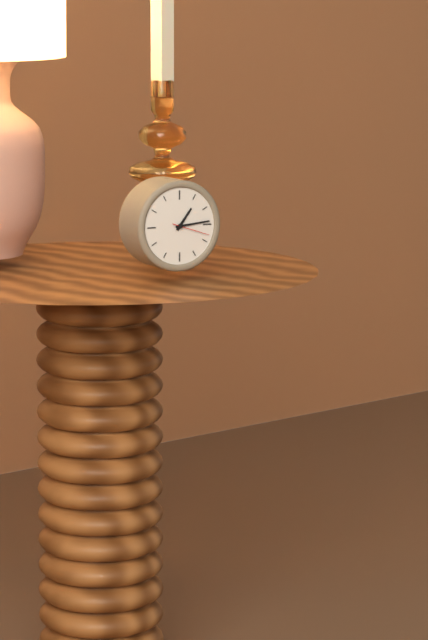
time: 1:14
